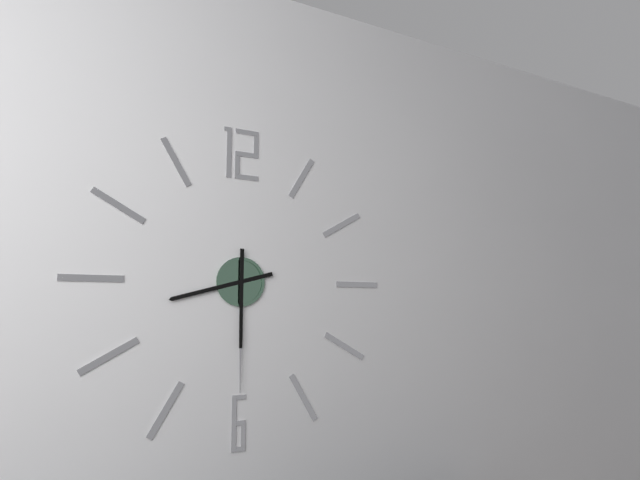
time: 8:30
